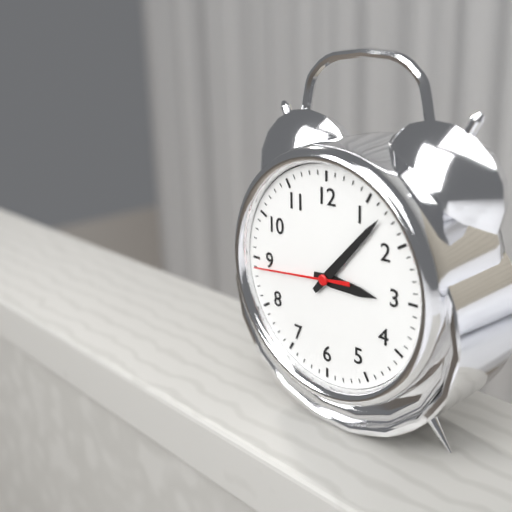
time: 3:07:44
